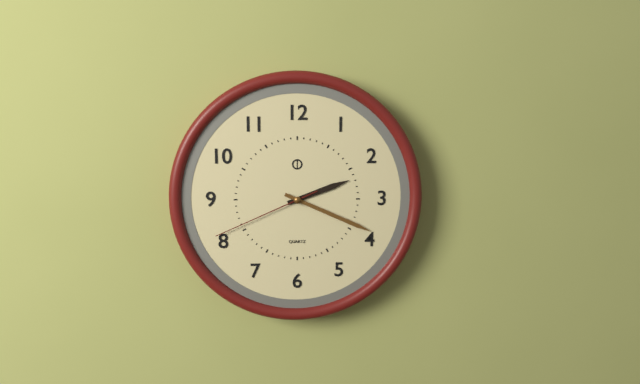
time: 2:19:41
